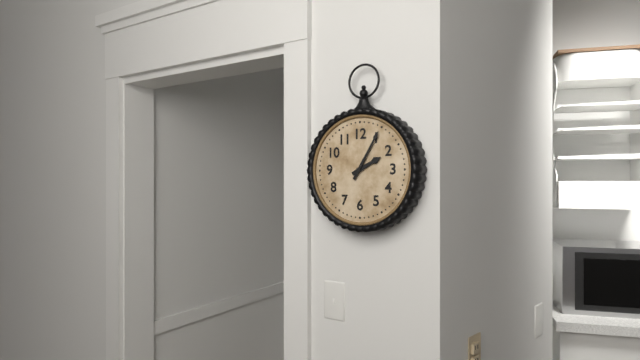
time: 2:05
